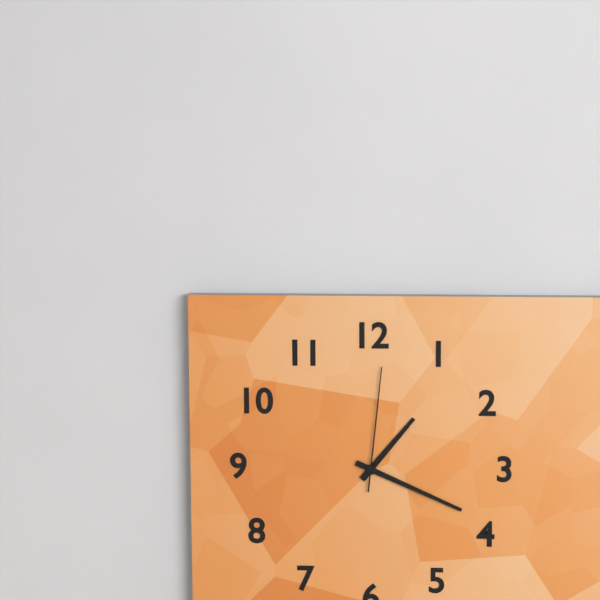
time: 1:19:01
